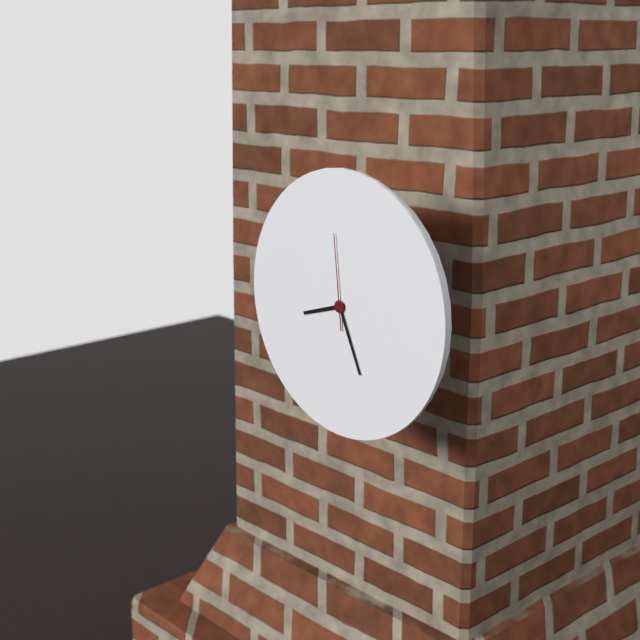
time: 8:26:59
